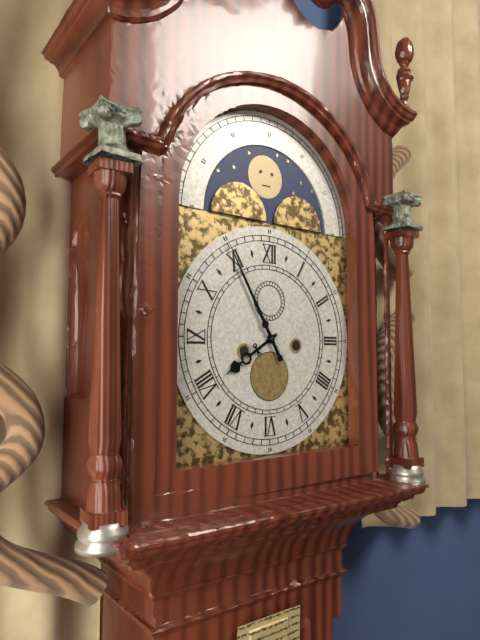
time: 7:55
